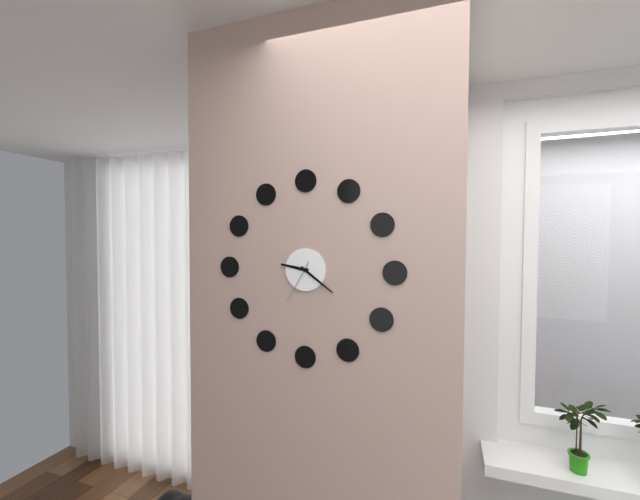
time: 9:21
